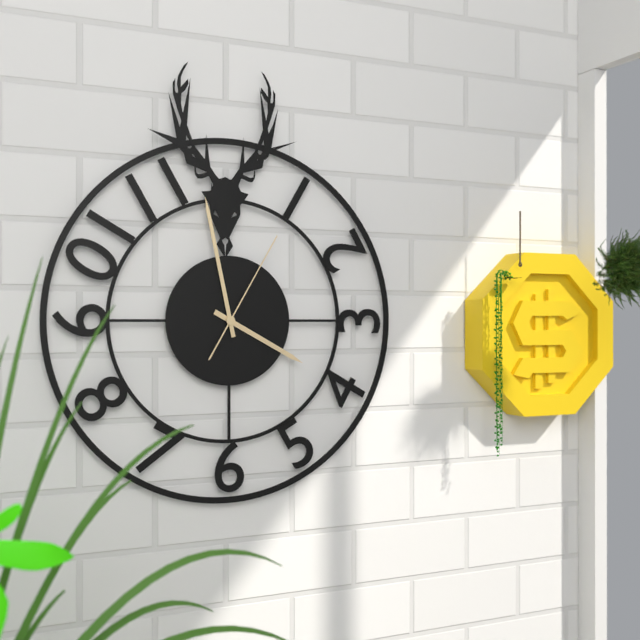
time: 3:58:05
